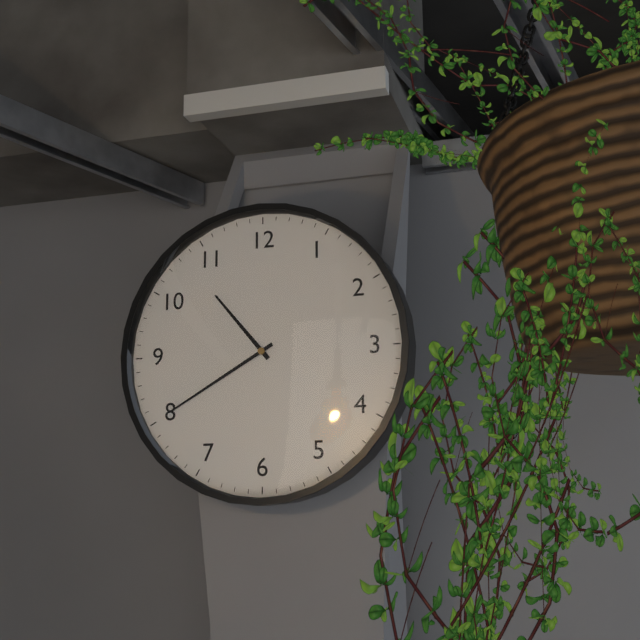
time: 10:40
